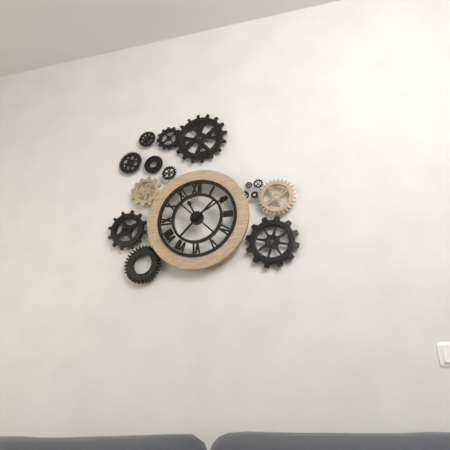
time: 11:10
